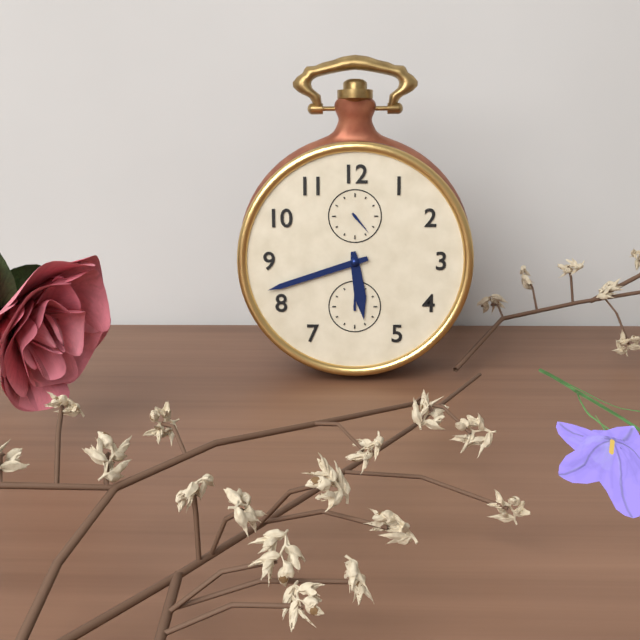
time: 5:42
